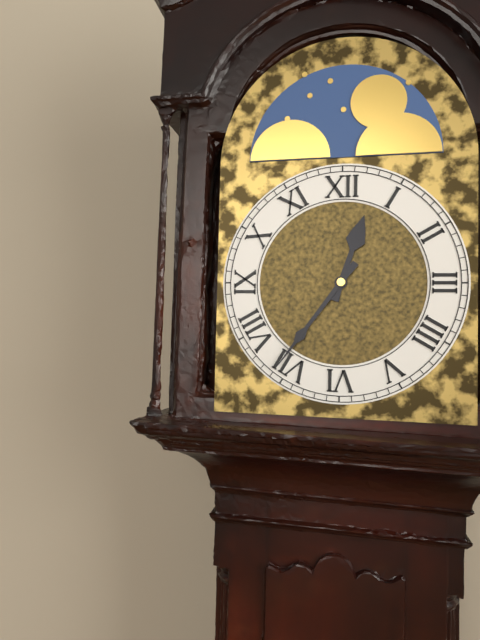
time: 12:36
